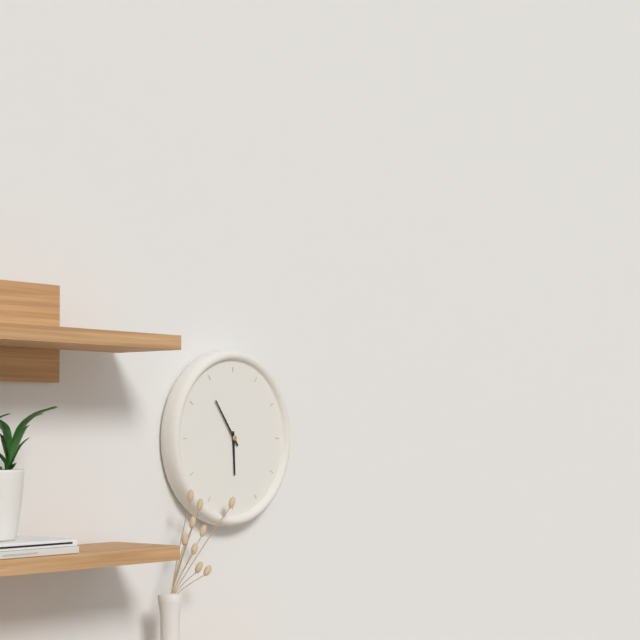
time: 5:54
